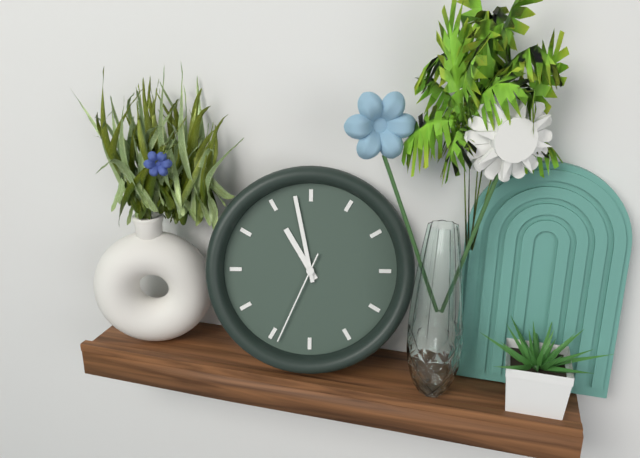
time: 10:58:34
